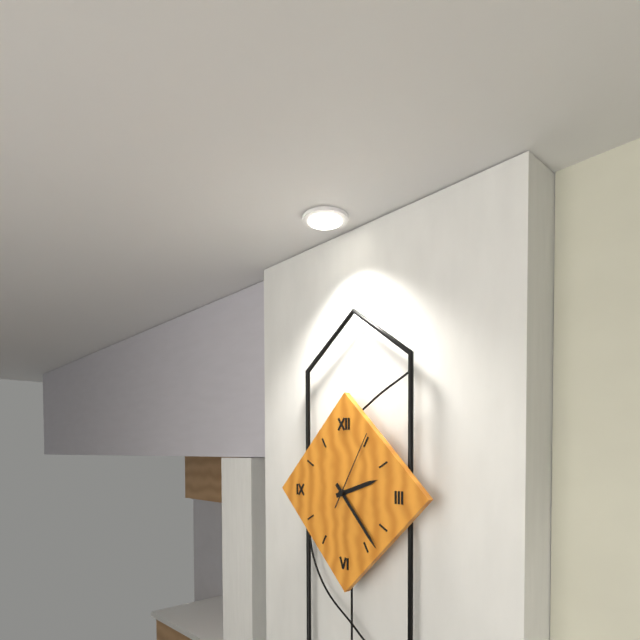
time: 2:23:05
